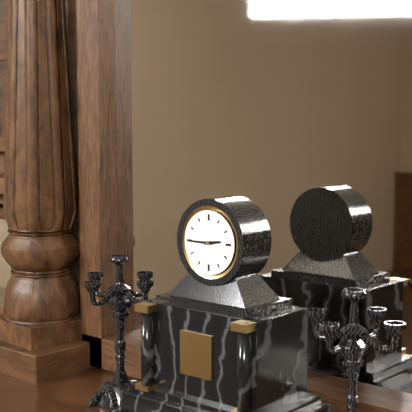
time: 2:45
